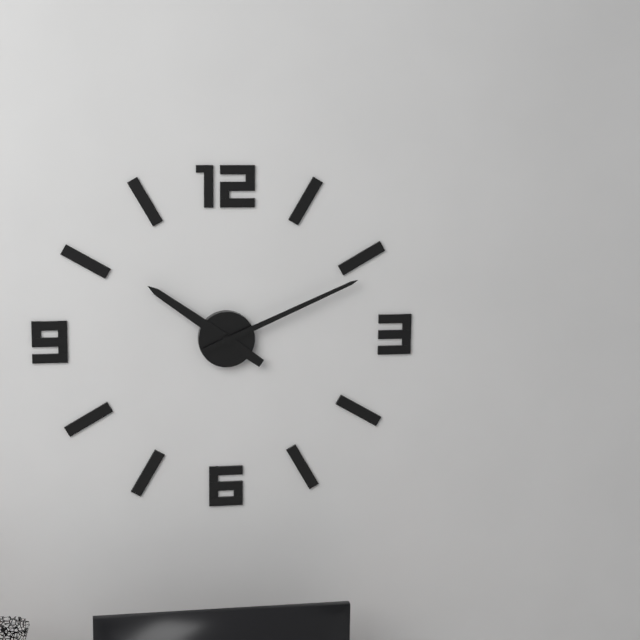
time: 10:11
